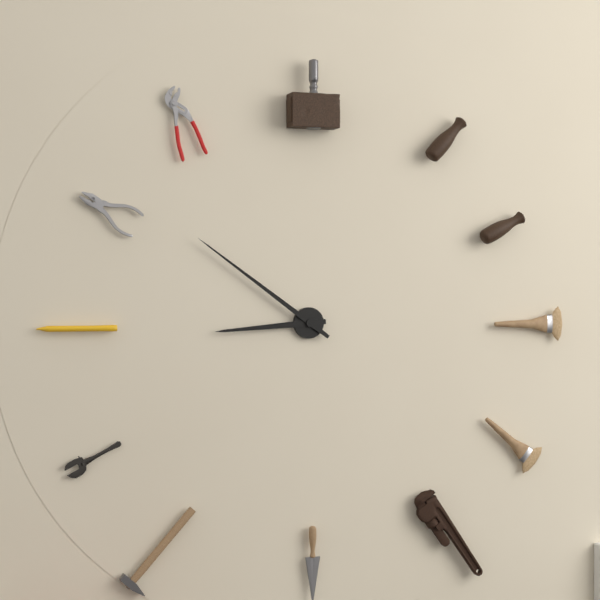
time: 8:51
